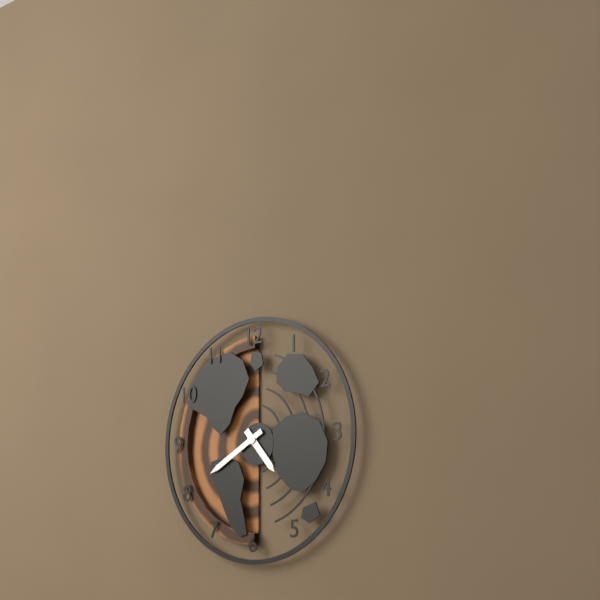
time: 4:40
